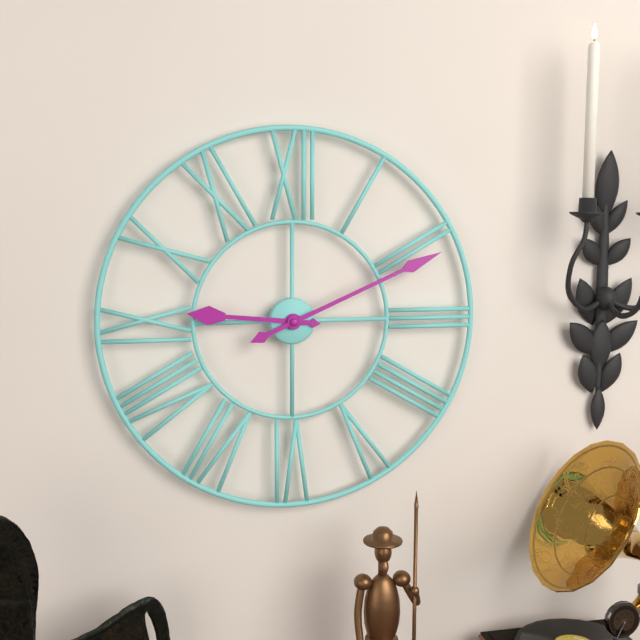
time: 9:11
